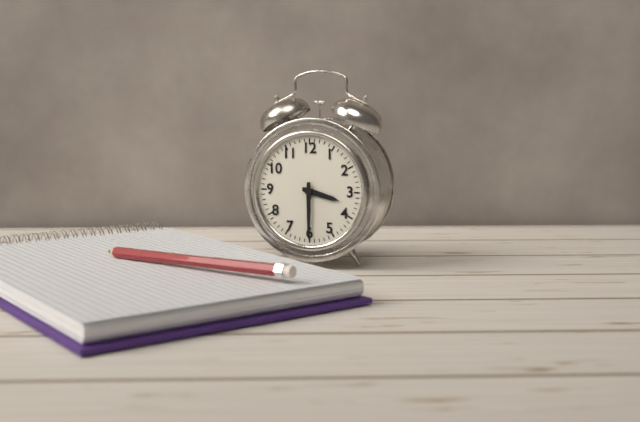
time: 3:30
